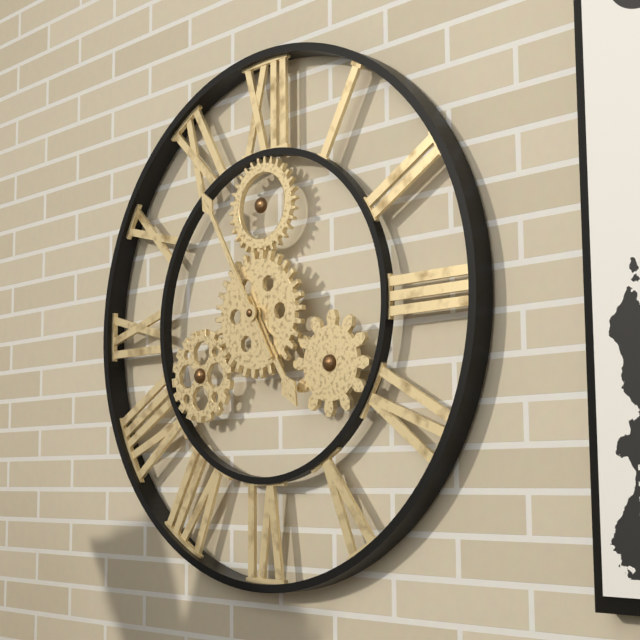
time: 4:55
